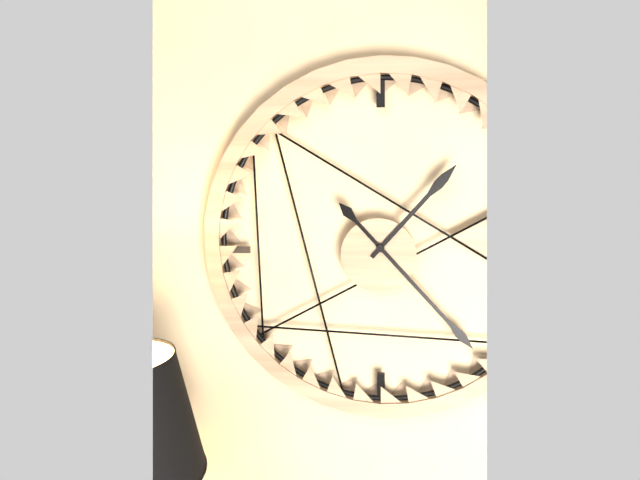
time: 1:23
